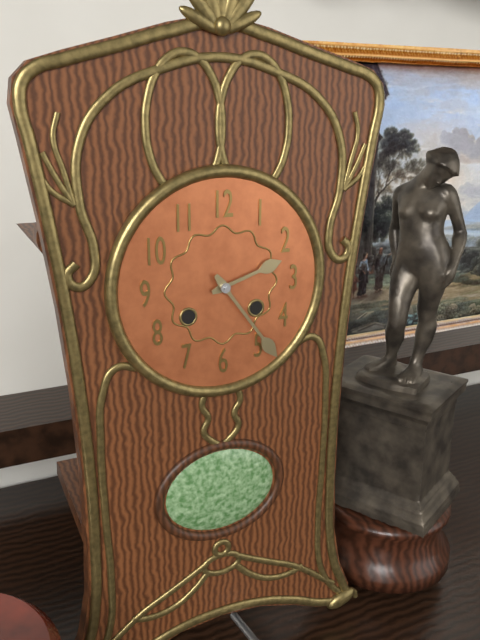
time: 2:24
